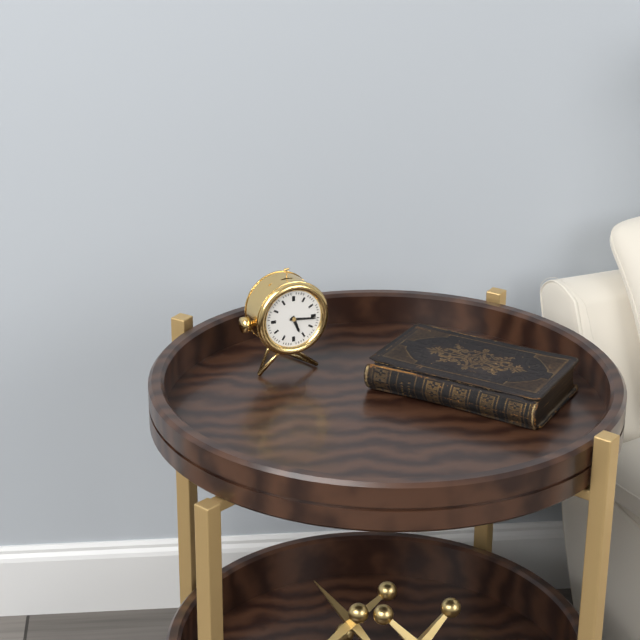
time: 5:16
